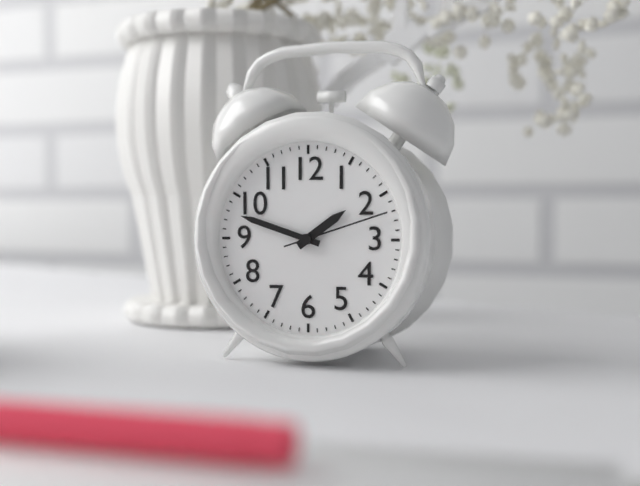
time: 1:48:12
